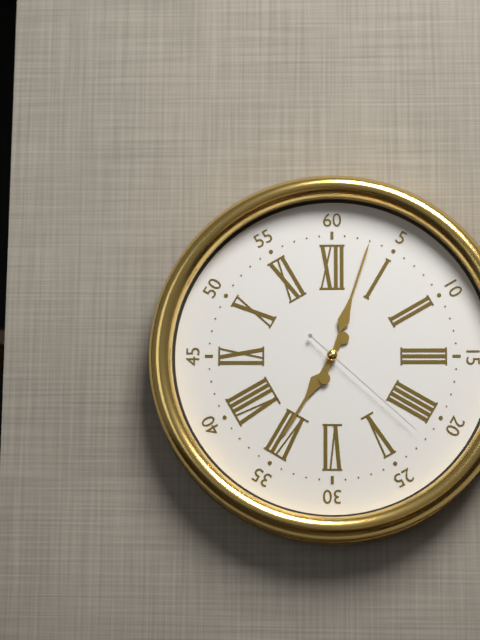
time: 7:03:22
